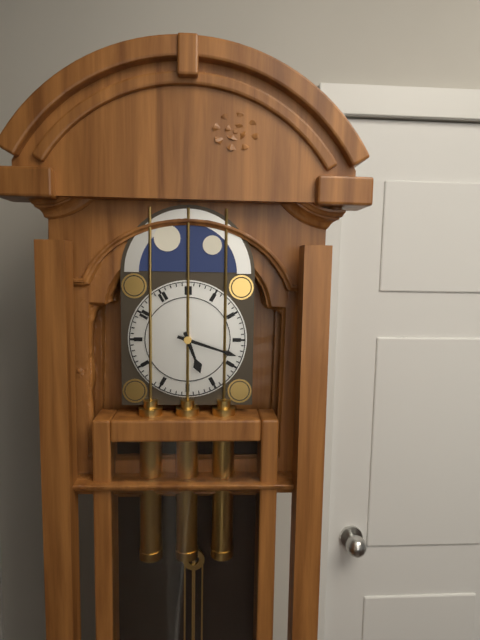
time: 5:18
